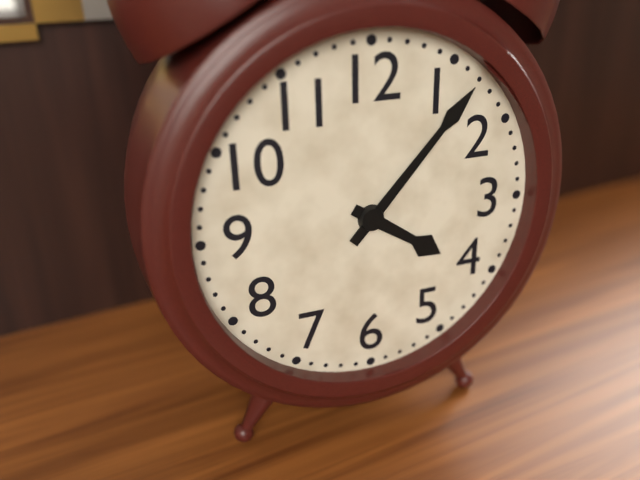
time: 4:07
